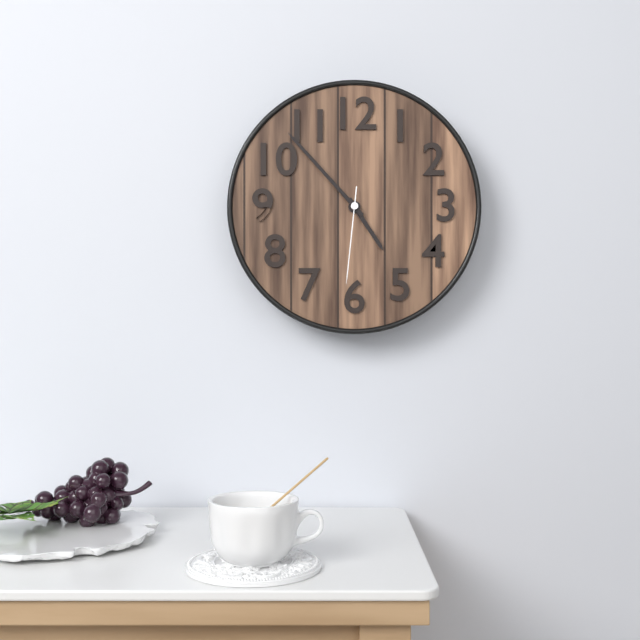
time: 4:53:31
